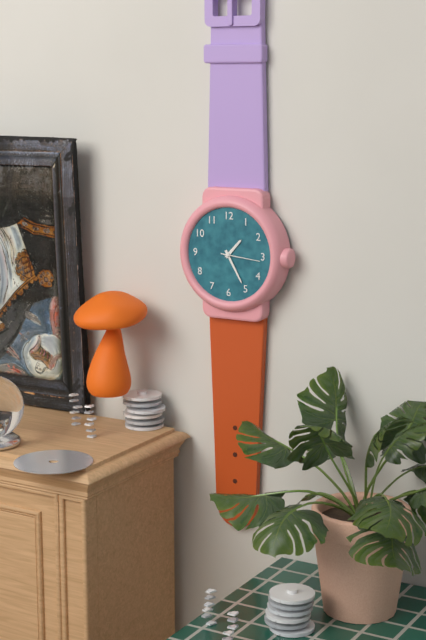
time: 1:25
